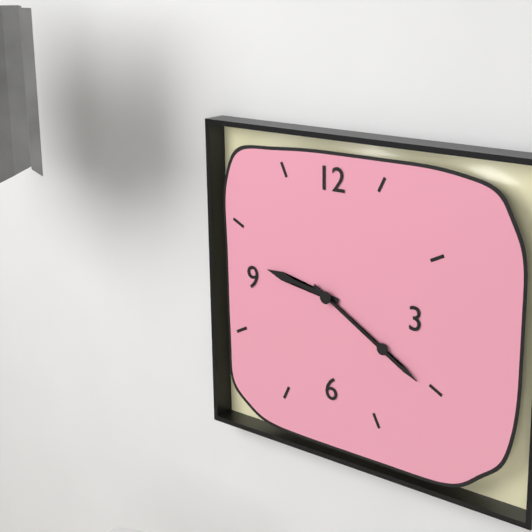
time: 9:20
